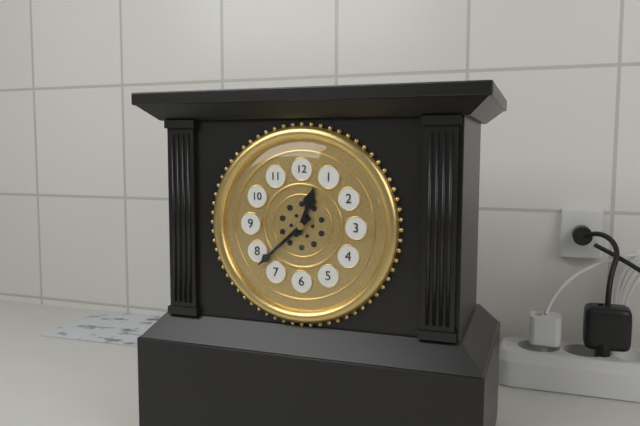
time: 12:38
